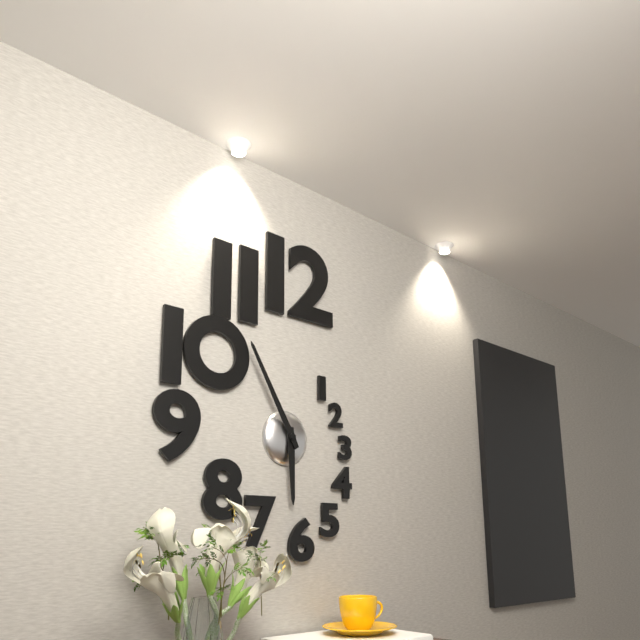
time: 5:55
